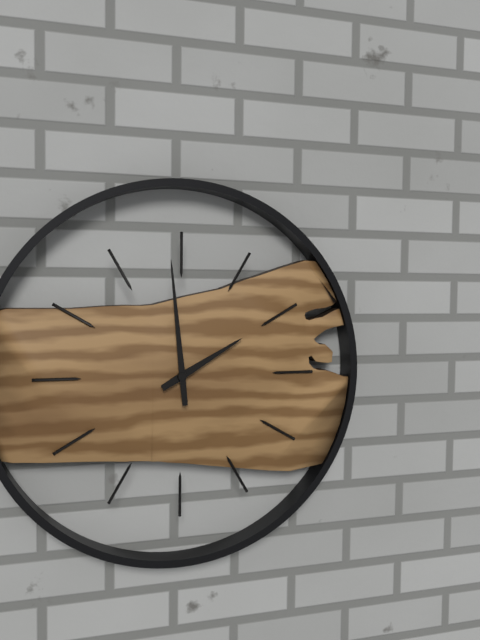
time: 1:59
